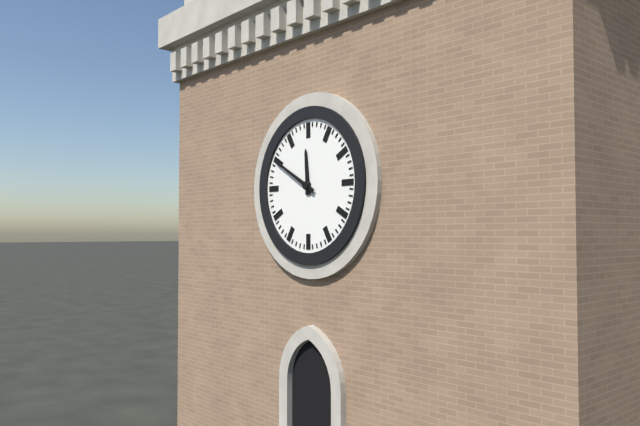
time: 11:50
